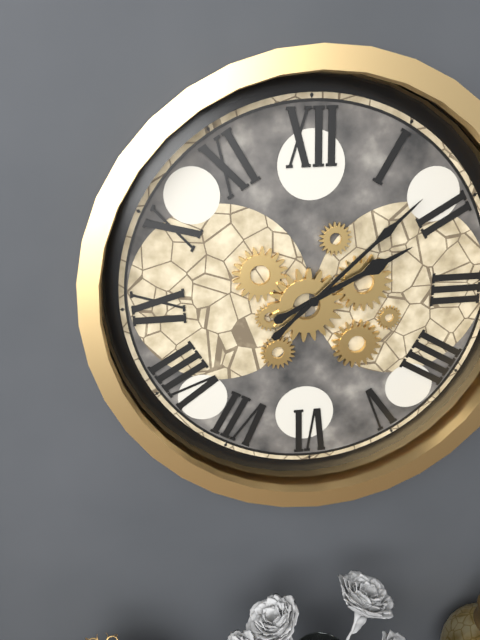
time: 2:08
